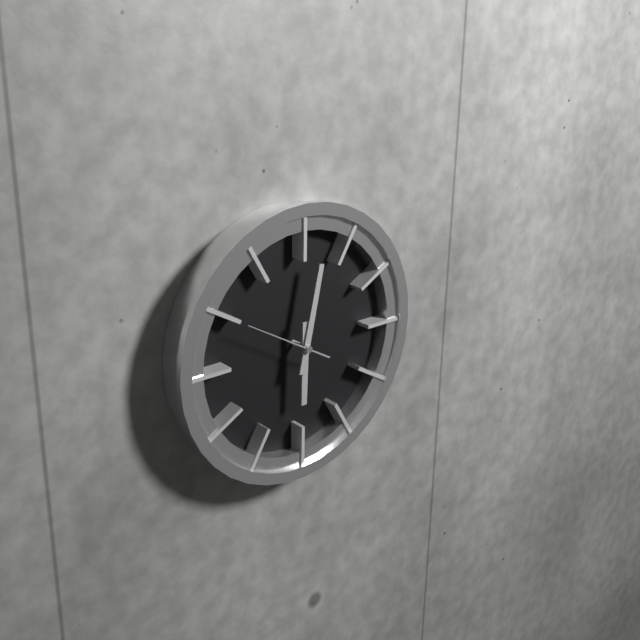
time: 6:02
